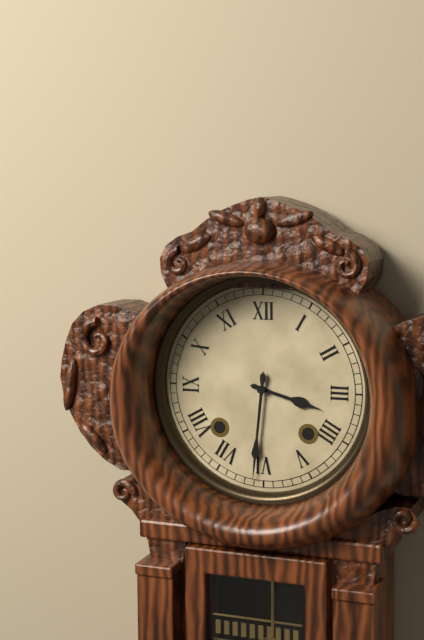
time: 3:31
